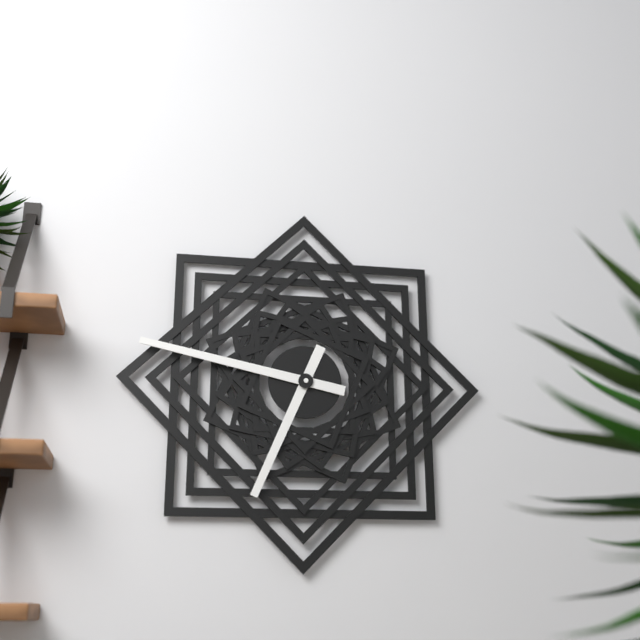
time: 6:47
